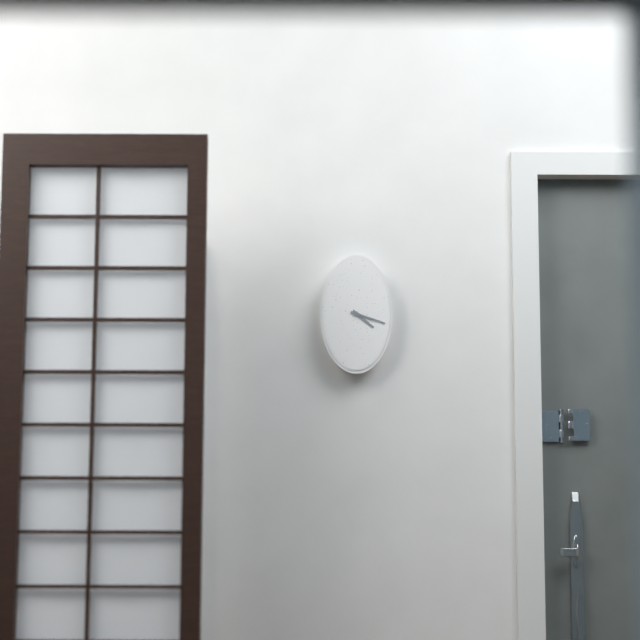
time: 4:18
